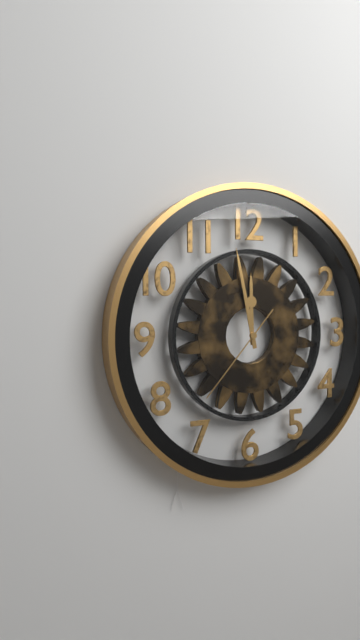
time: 11:58:37
